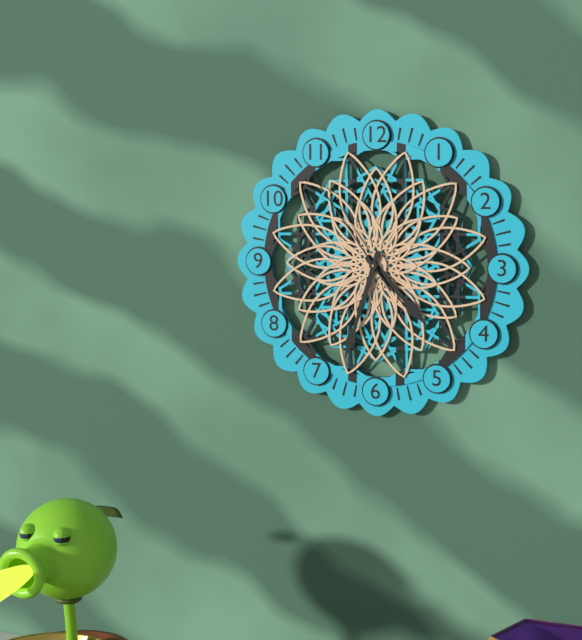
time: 4:33:54
